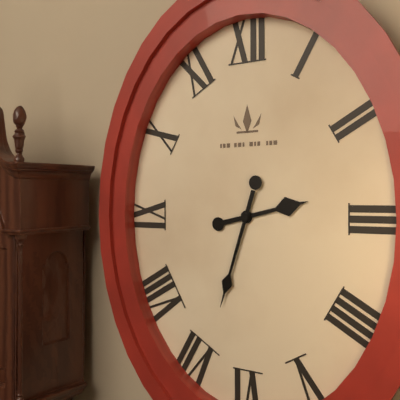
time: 2:33
